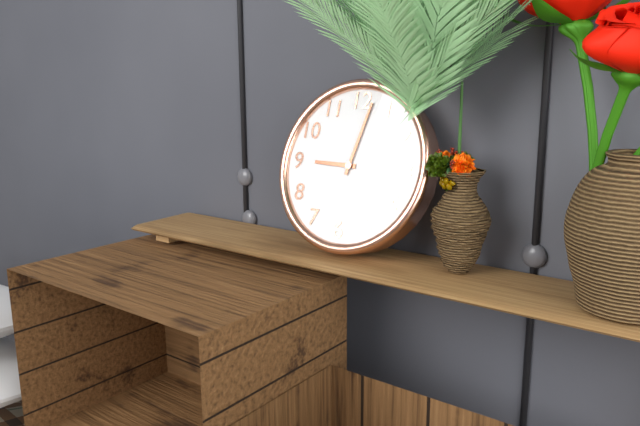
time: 9:02
